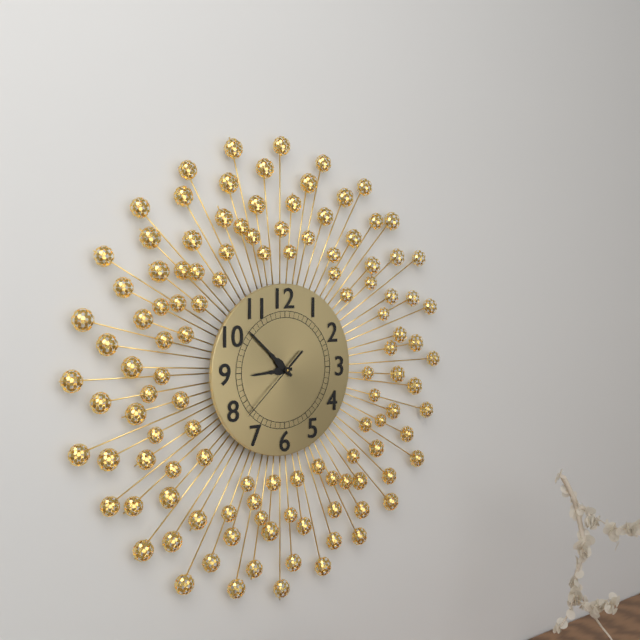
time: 8:52:38
